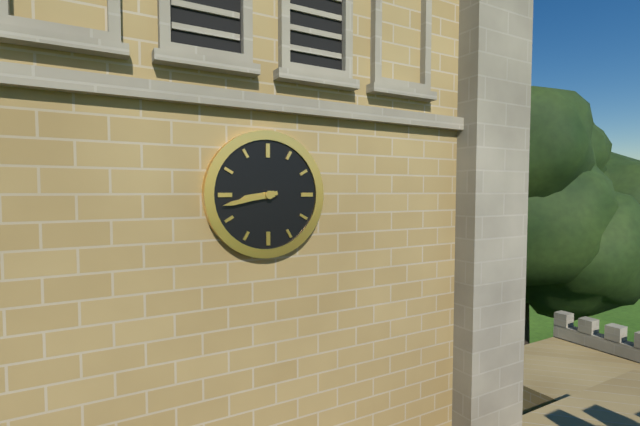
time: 8:43
